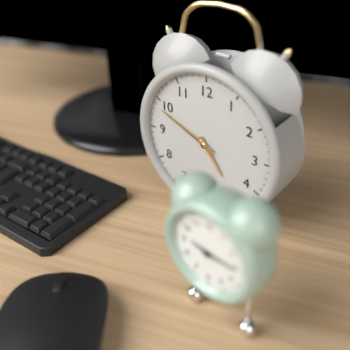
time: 4:49
